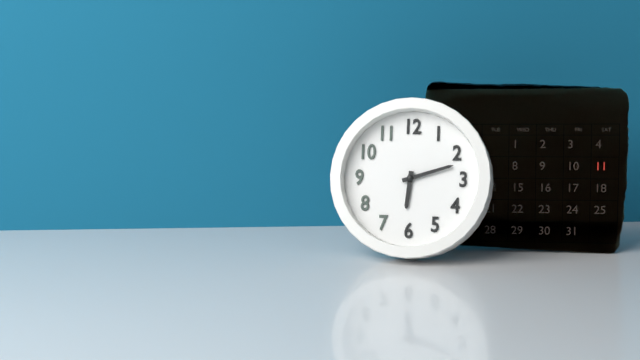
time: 6:12
